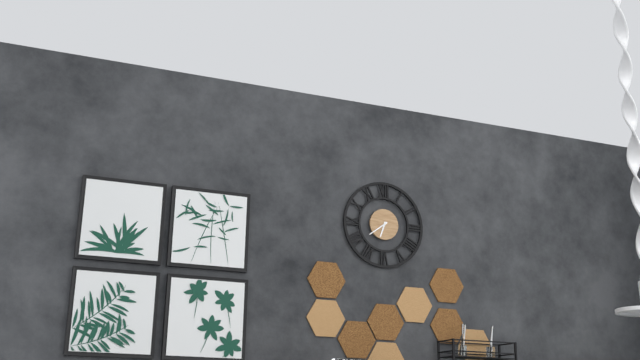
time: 6:39
